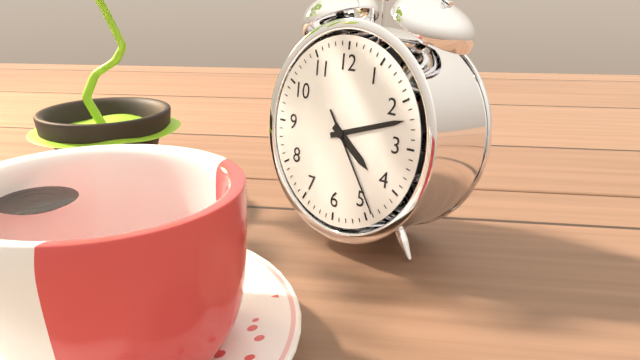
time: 4:12:24
